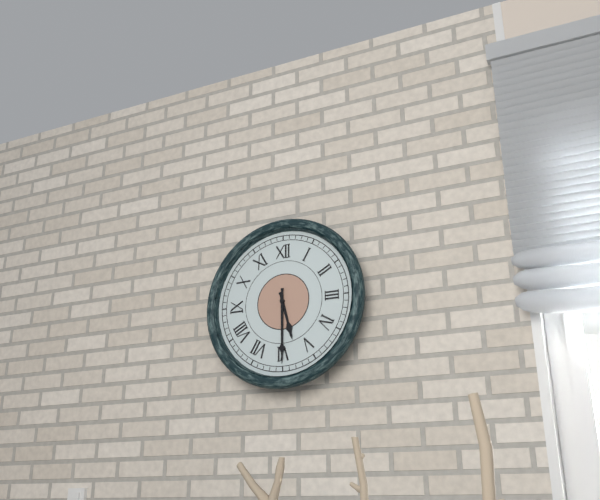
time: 5:30
